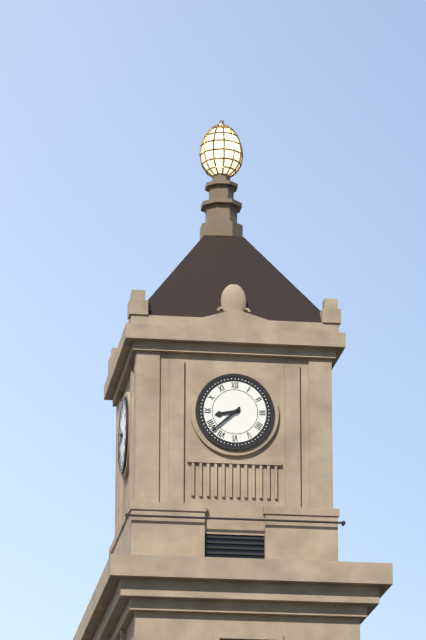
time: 8:38
